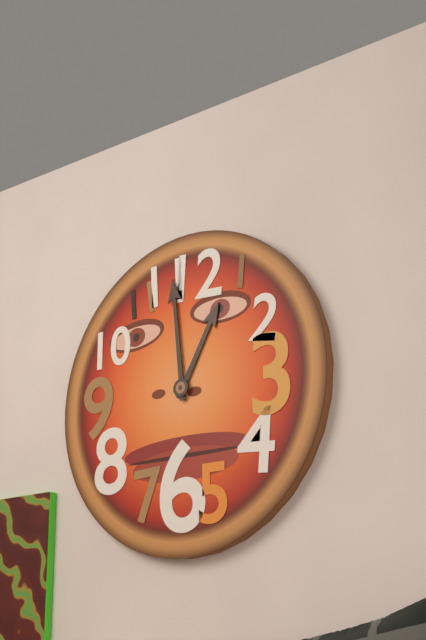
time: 12:59
